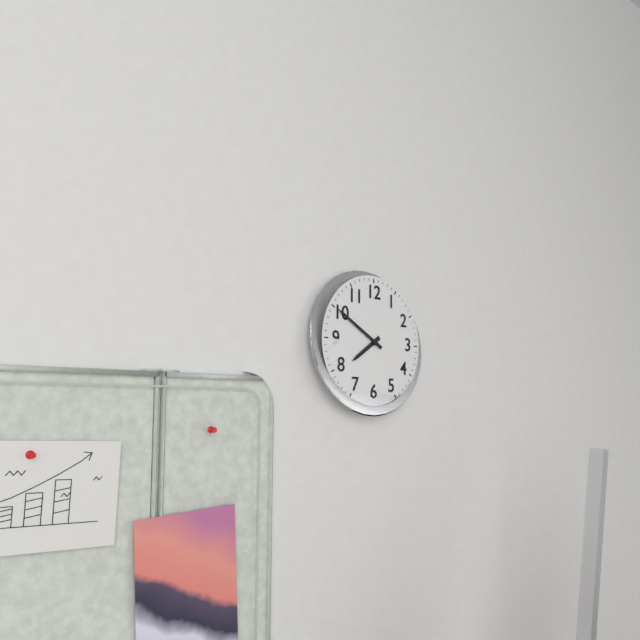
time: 7:50
